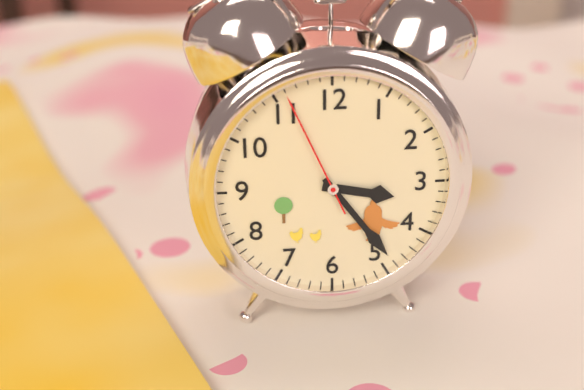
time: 3:24:56
